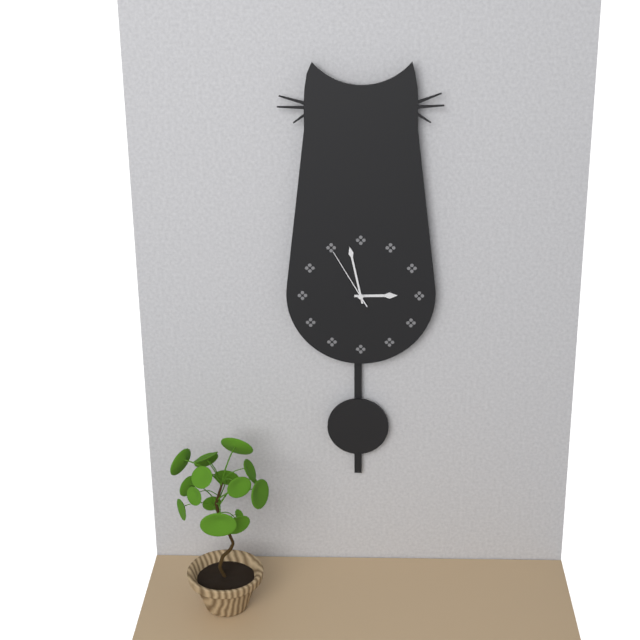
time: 2:58:55
